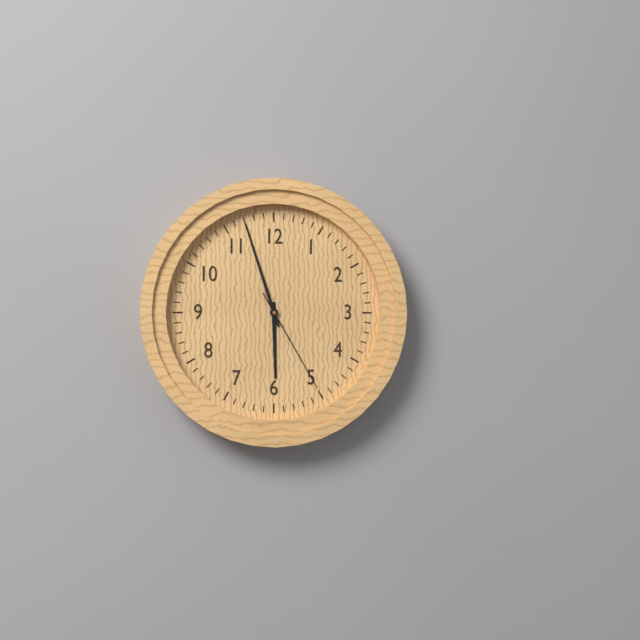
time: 5:57:25
